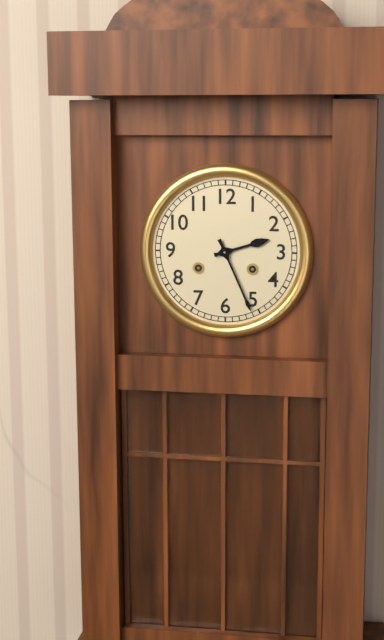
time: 2:26
